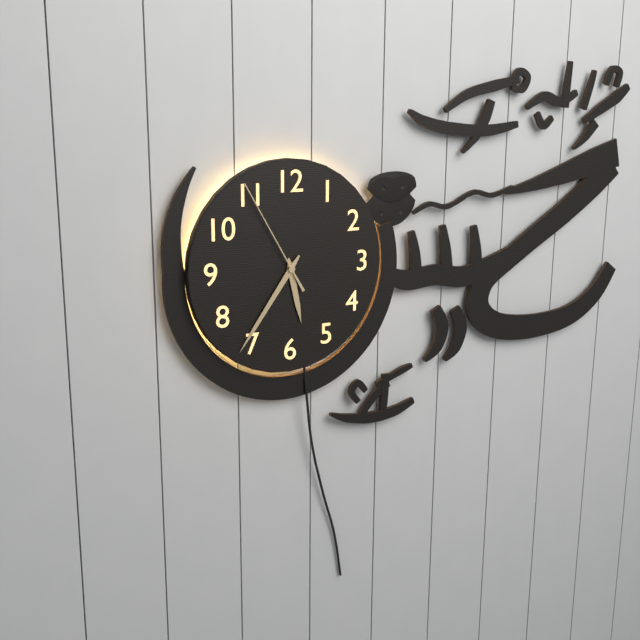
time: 5:36:55
